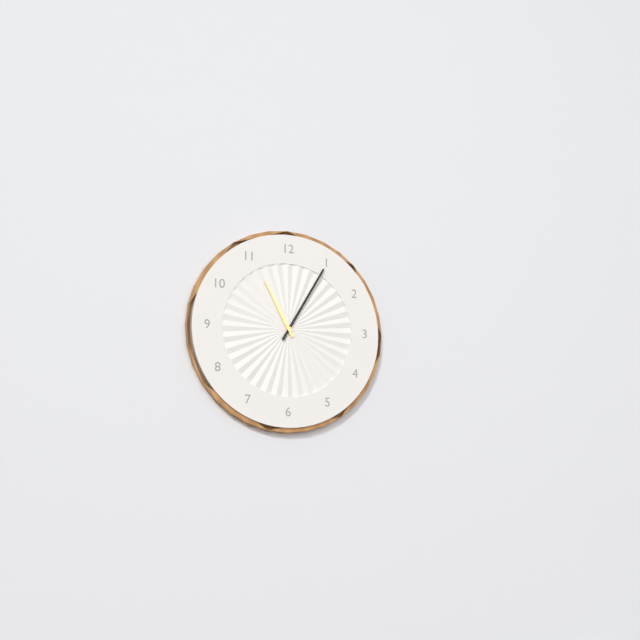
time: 11:05
